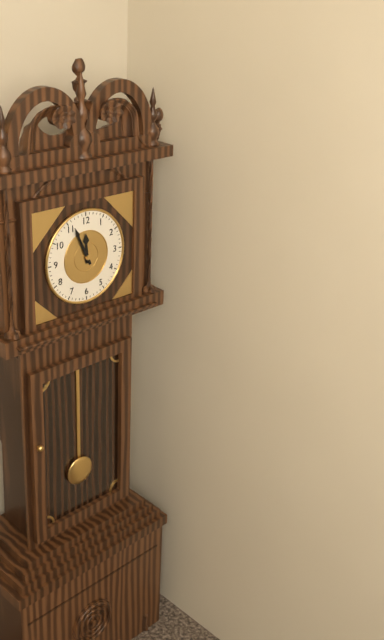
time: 11:56
